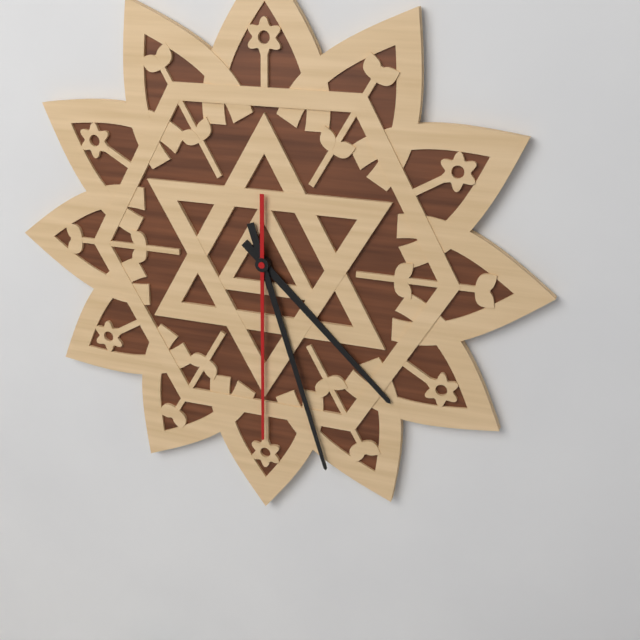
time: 4:27:30
